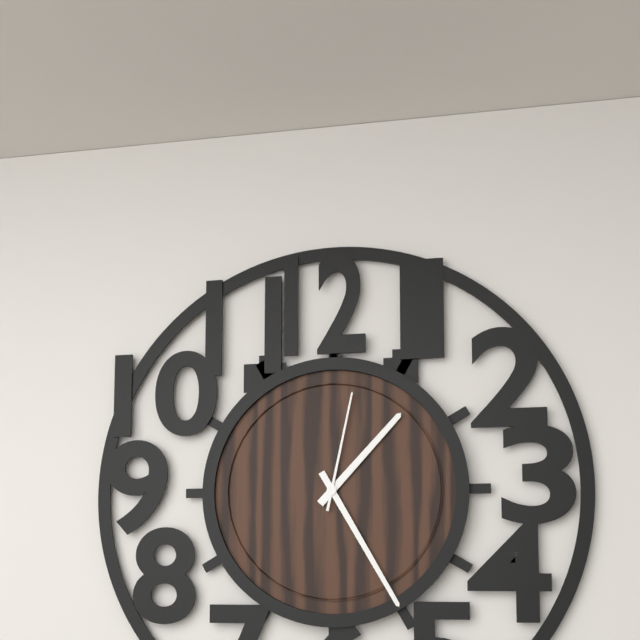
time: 1:25:02
